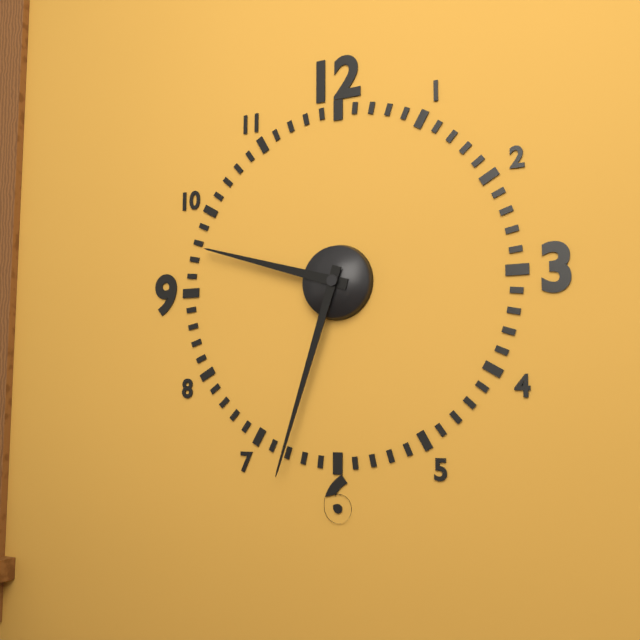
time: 9:33
